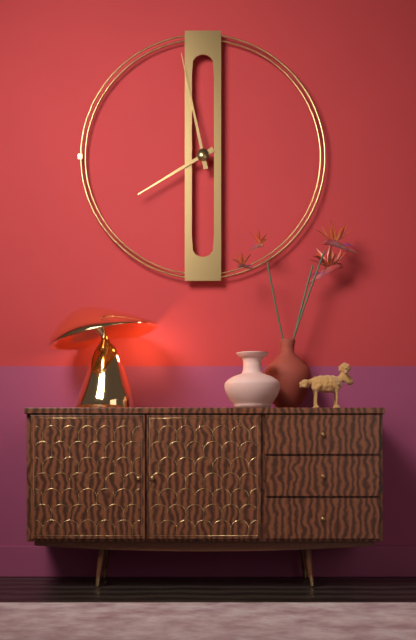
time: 7:58
